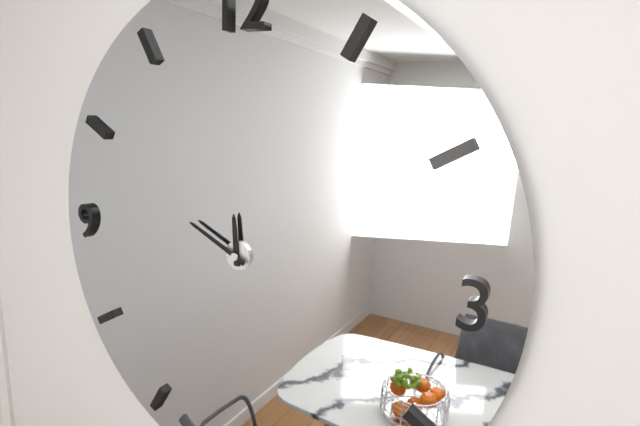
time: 11:49
